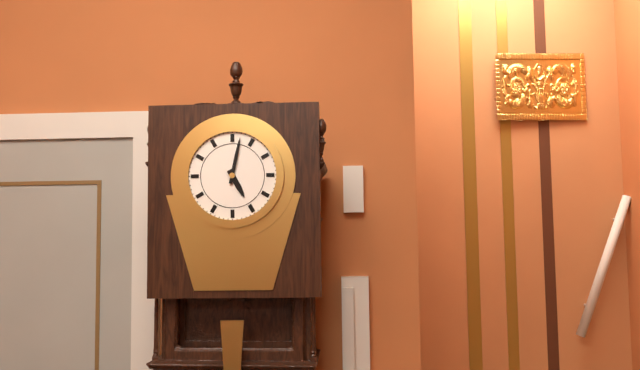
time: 5:02
